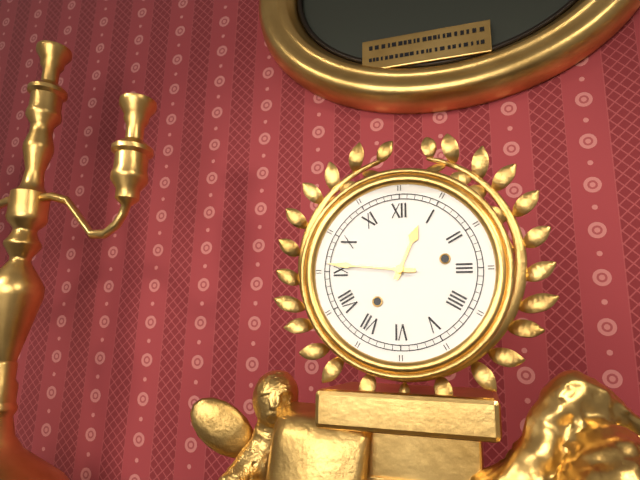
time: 12:46
